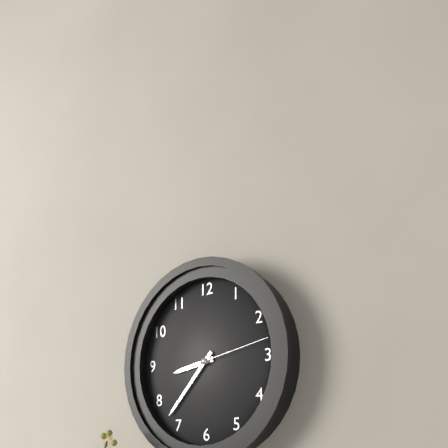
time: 8:37:13
